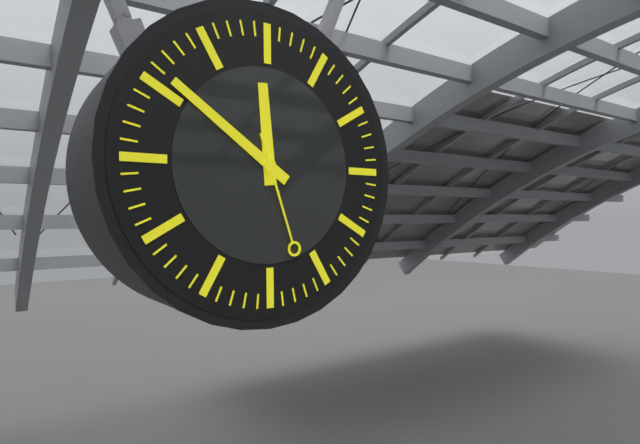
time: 11:51:27
